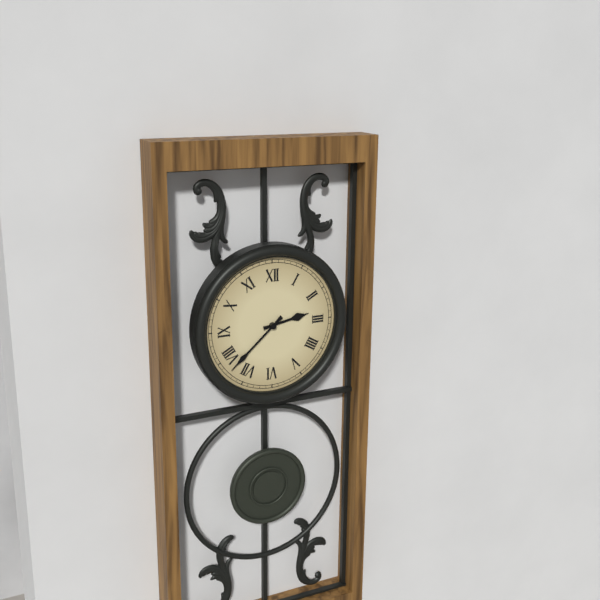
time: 2:38
